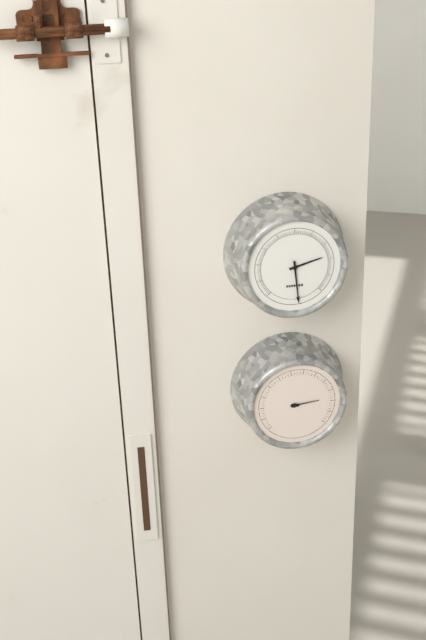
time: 2:29
